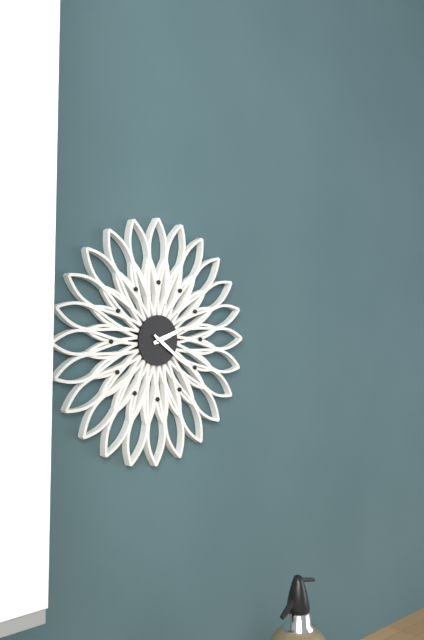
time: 2:21
